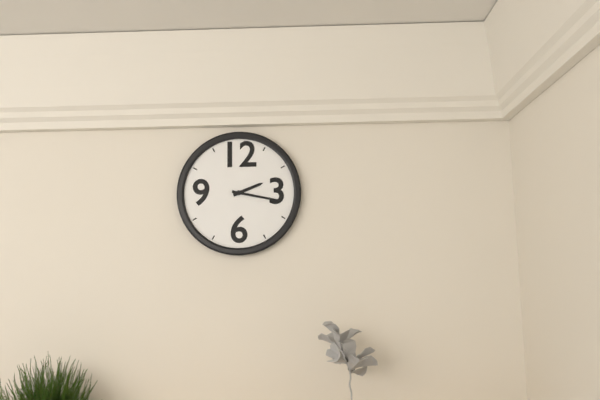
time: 2:17
